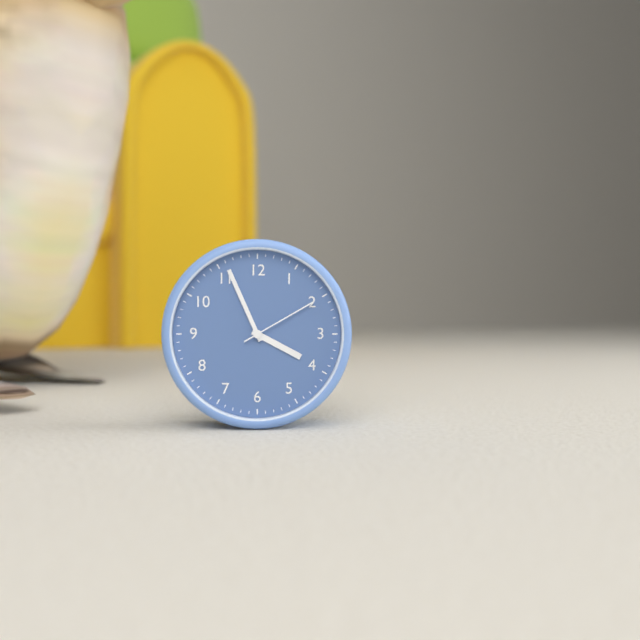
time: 3:56:10
